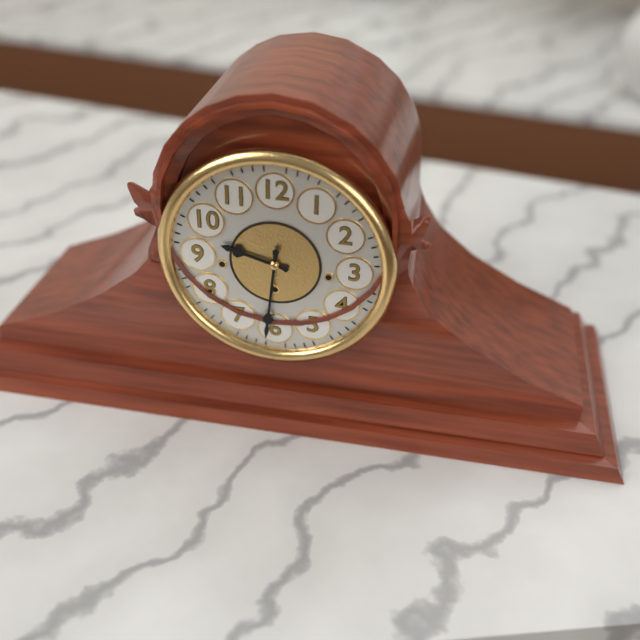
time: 9:31
